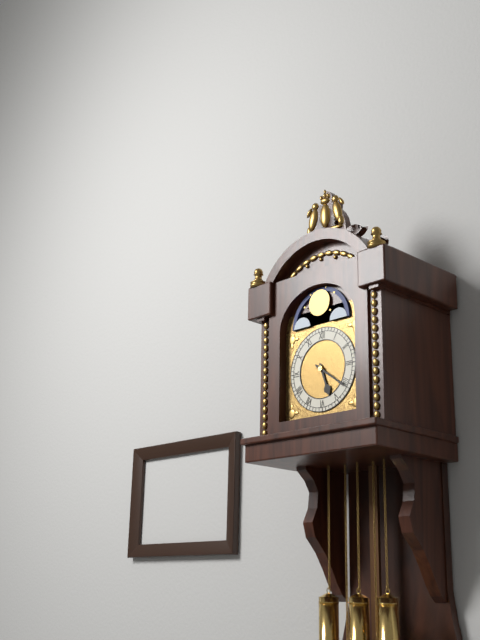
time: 5:21
